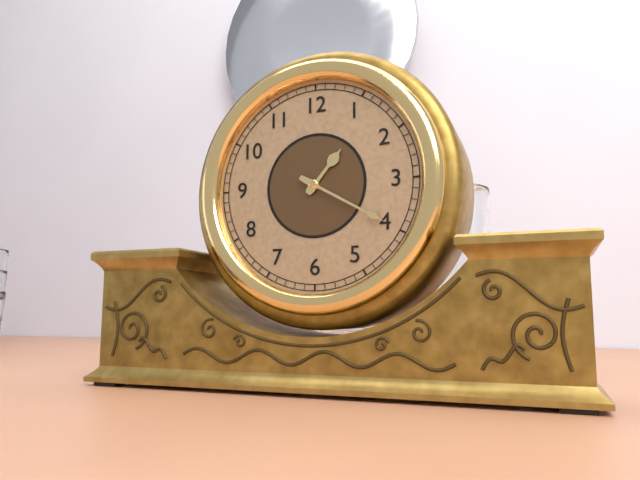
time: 1:20
